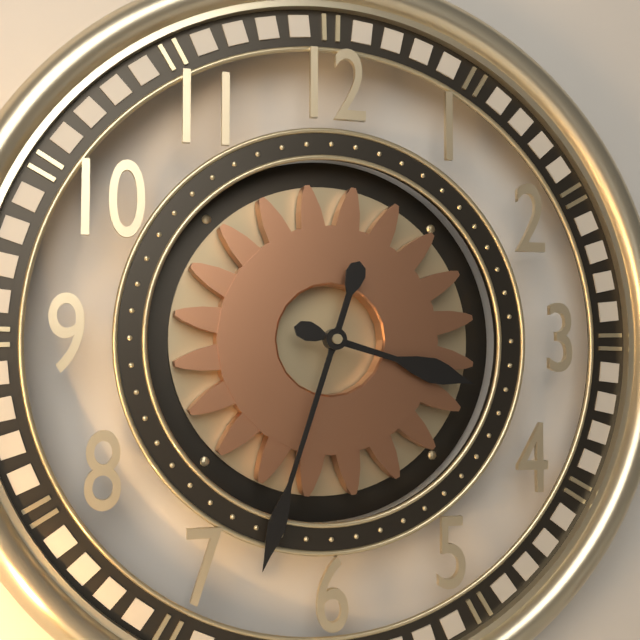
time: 3:33
